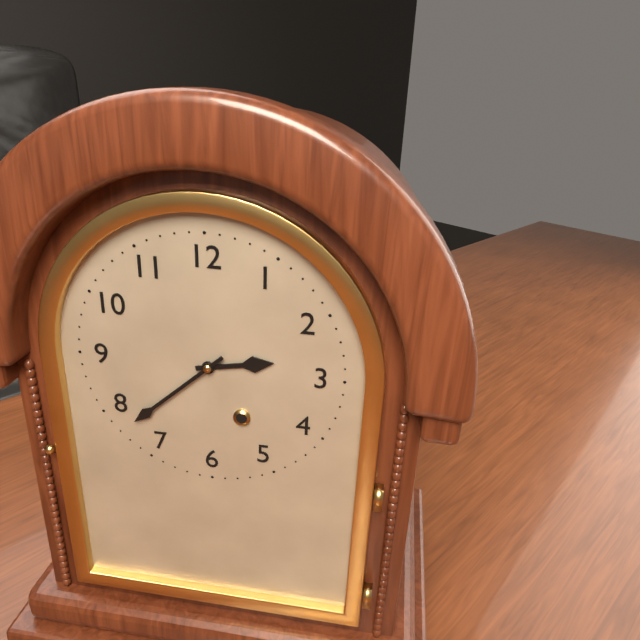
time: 2:38
